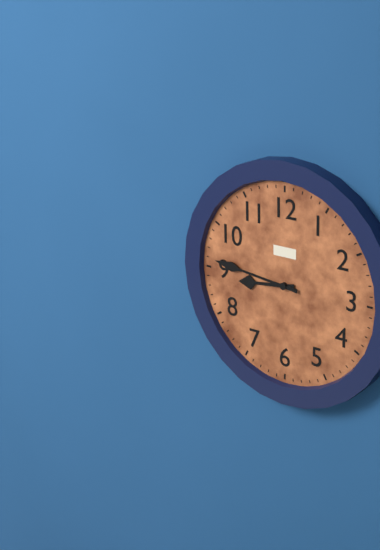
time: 8:46
